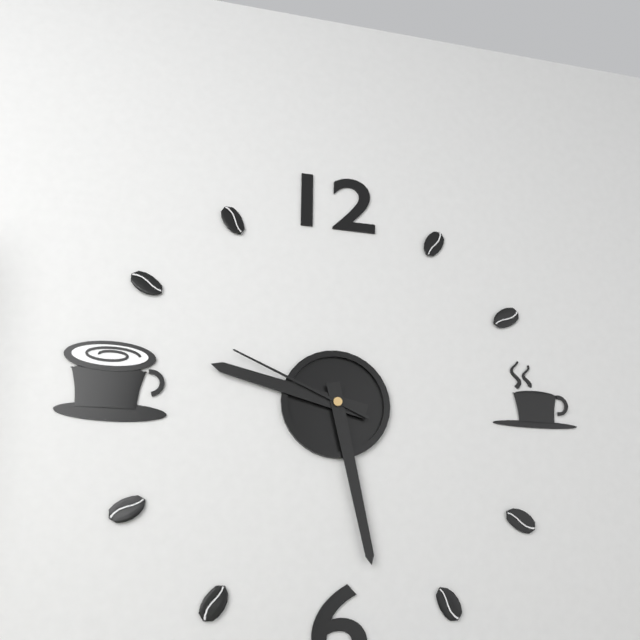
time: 9:28:49
